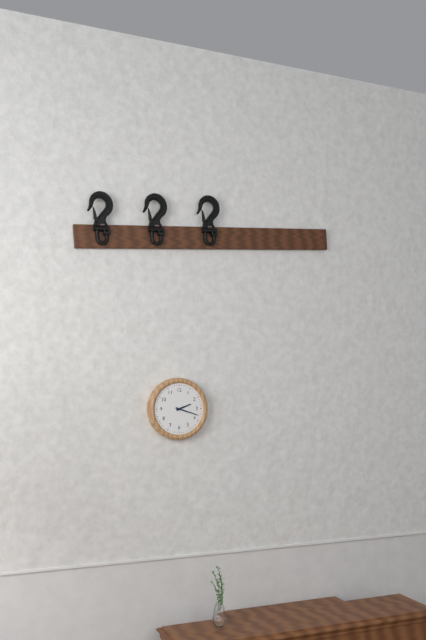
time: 2:18
